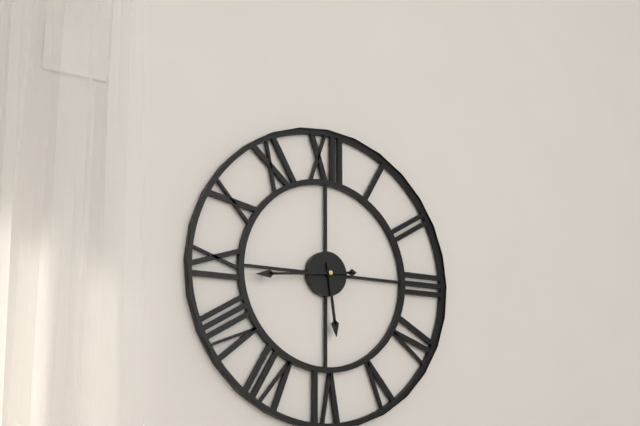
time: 5:44
